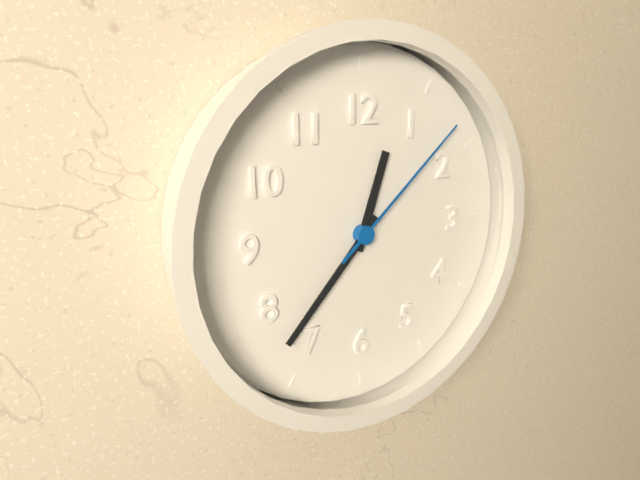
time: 12:37:08
